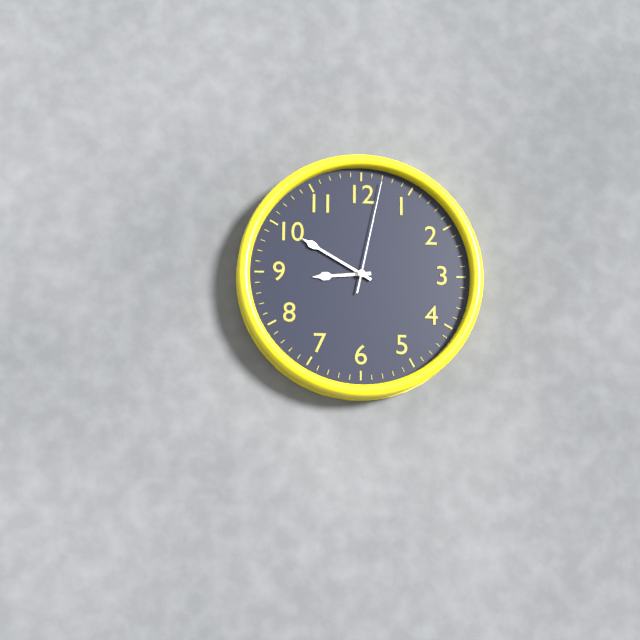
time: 8:50:02
